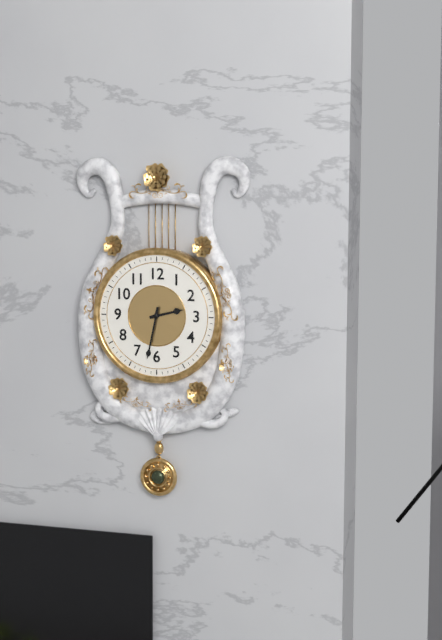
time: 2:32
